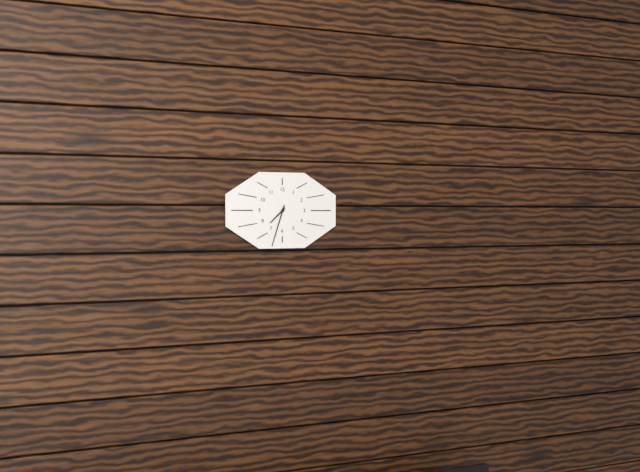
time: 7:33
